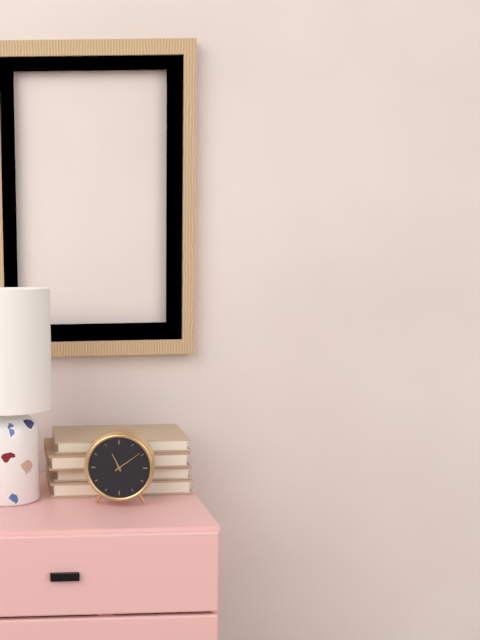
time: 11:09
